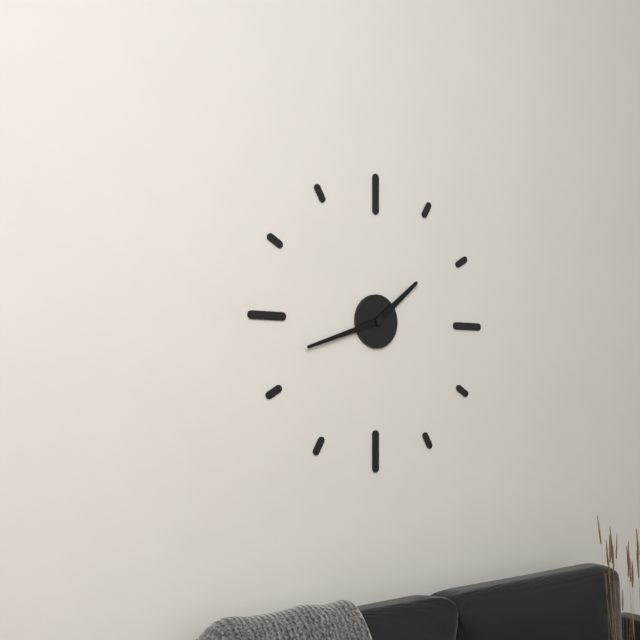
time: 1:42
